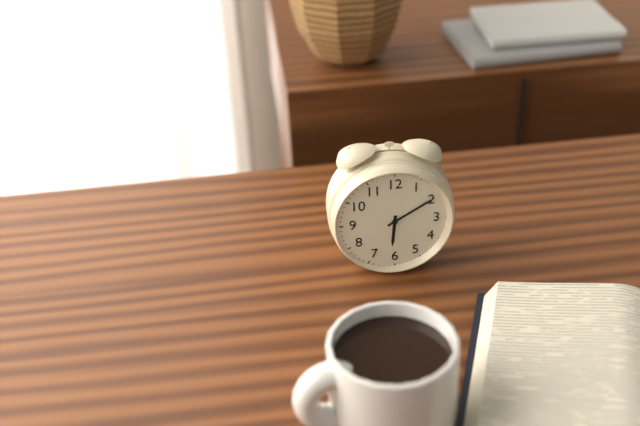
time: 6:10
